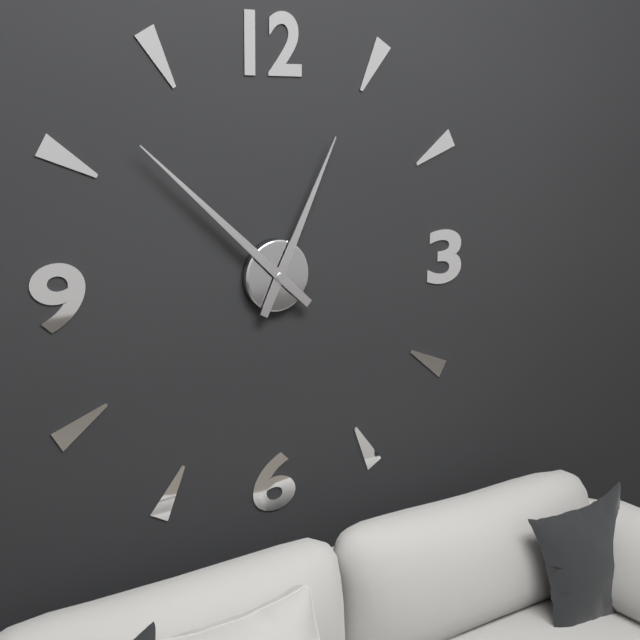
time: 12:52
